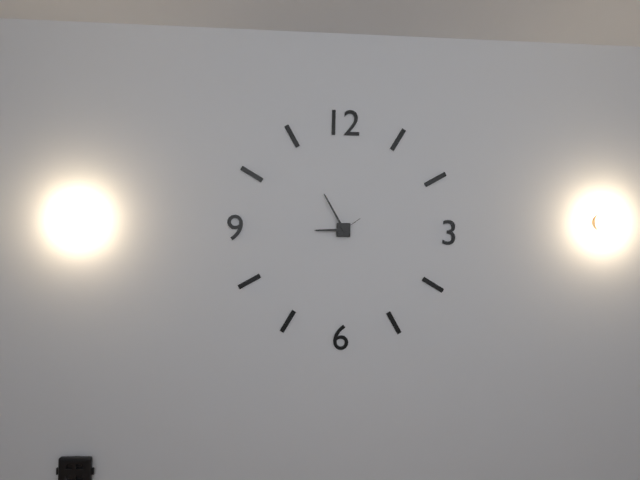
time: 8:55
